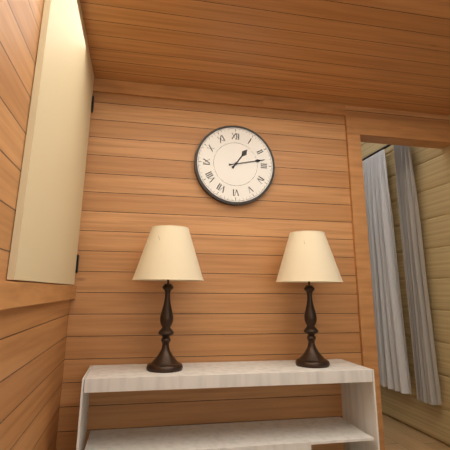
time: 1:13
